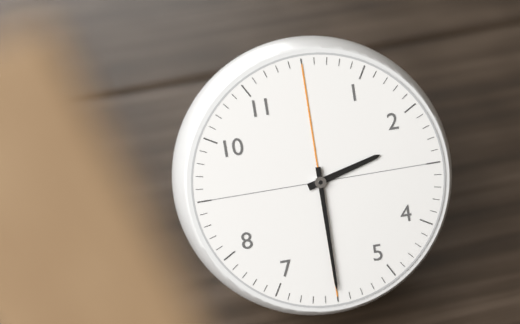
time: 2:30
